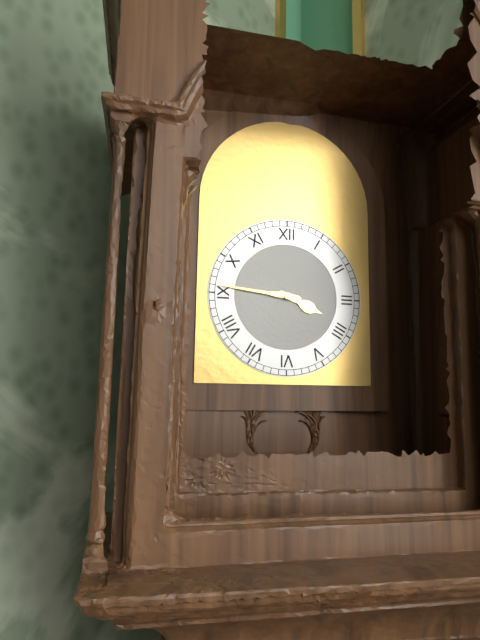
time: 3:46
